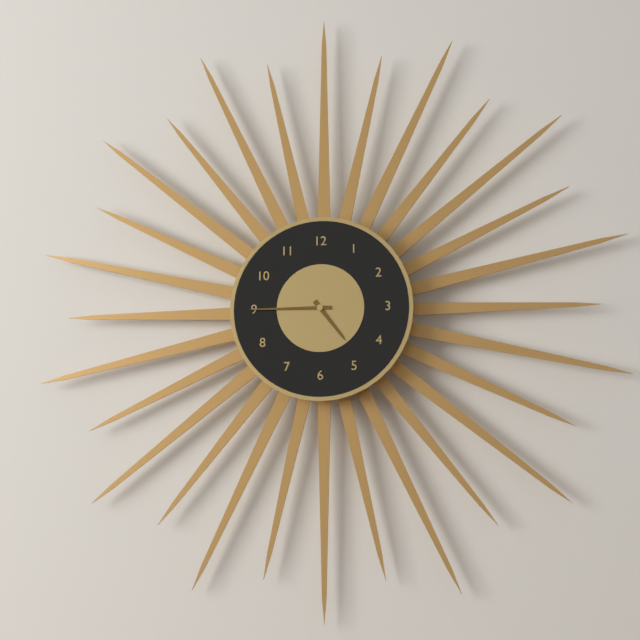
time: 4:45
